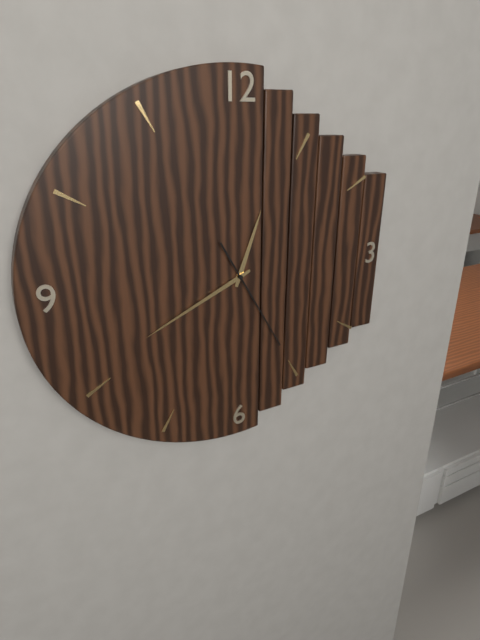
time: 12:41:25
